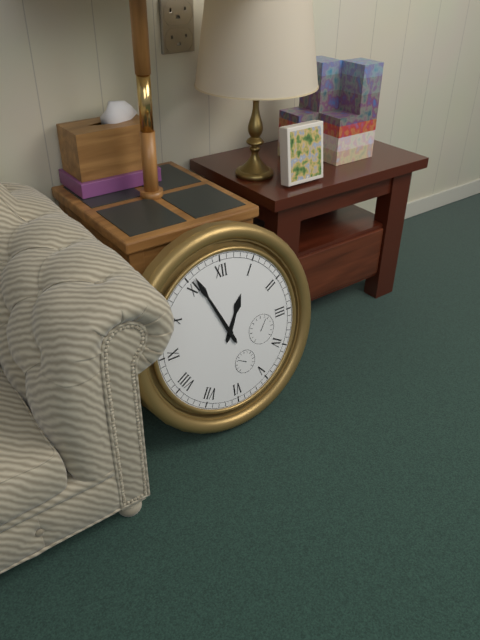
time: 12:56
